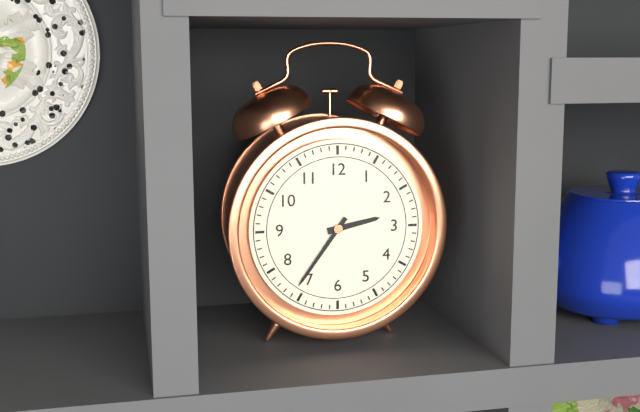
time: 2:36
